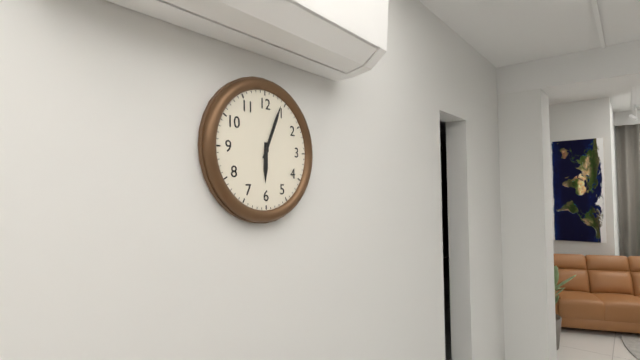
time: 6:04
